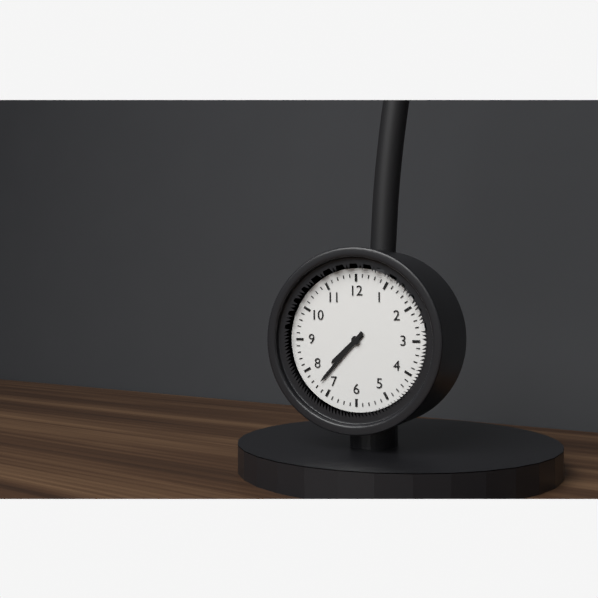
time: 7:37
